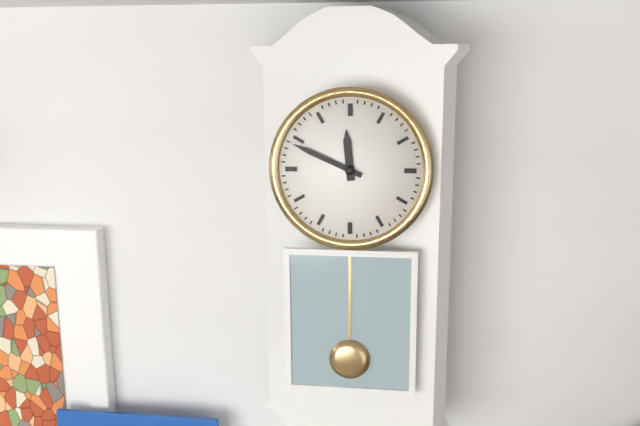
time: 11:49
